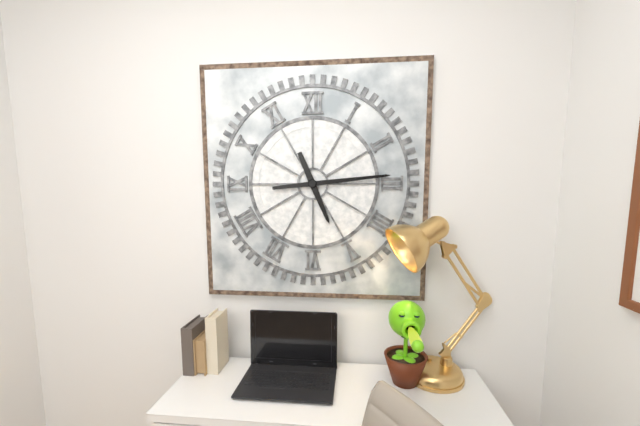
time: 5:14
